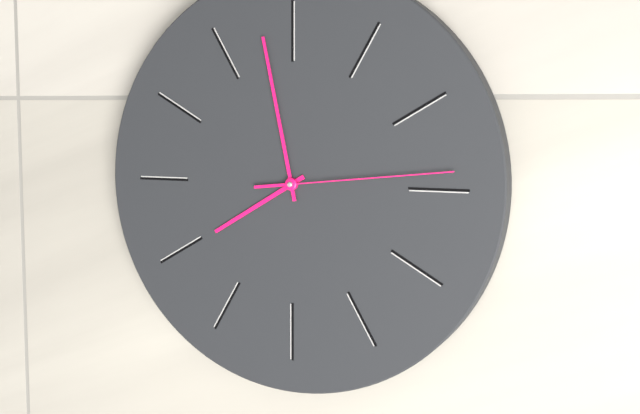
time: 7:58:14
